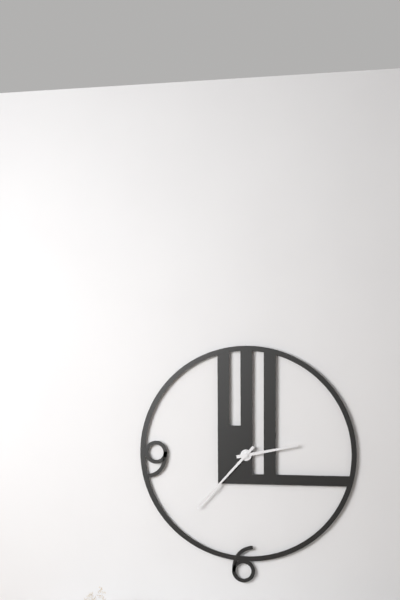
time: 2:37
